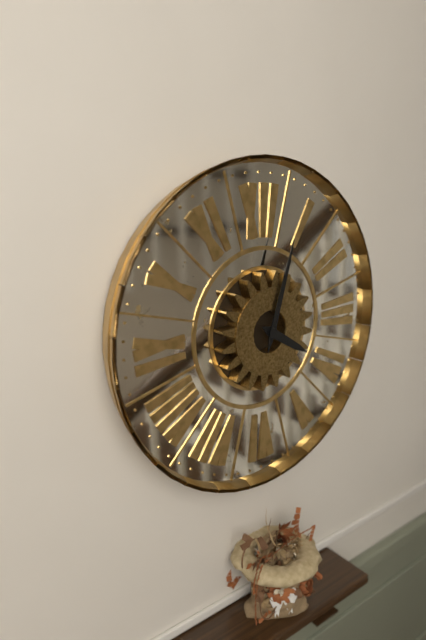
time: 4:03
